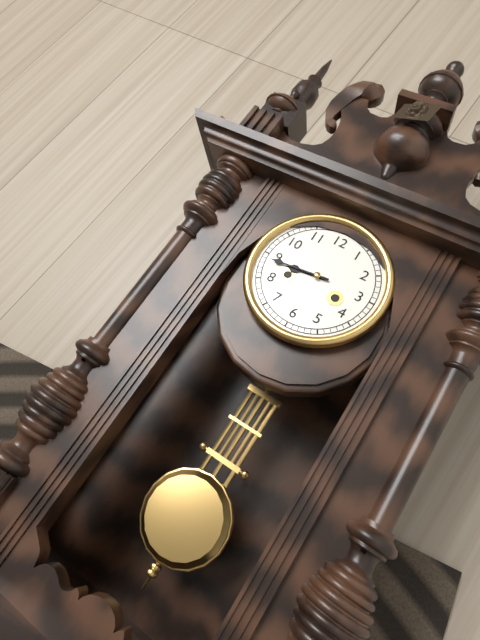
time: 8:44
